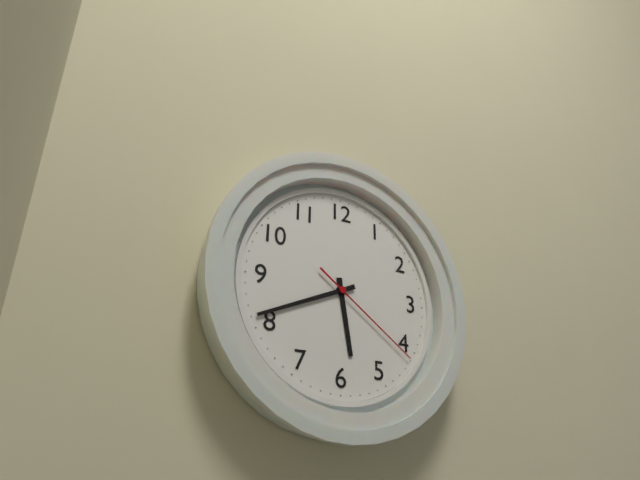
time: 5:41:21
